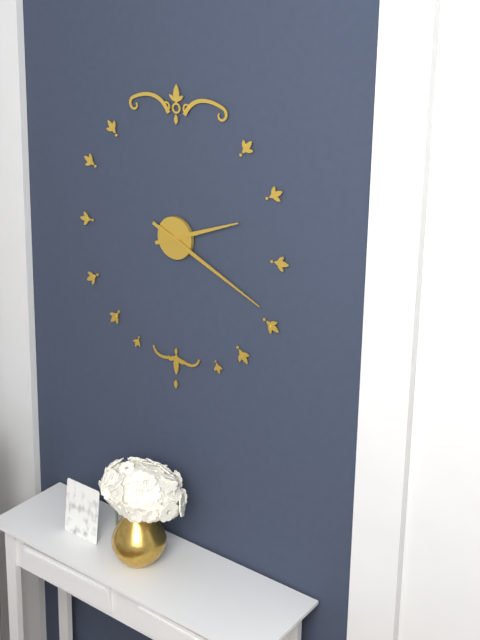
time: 2:19
